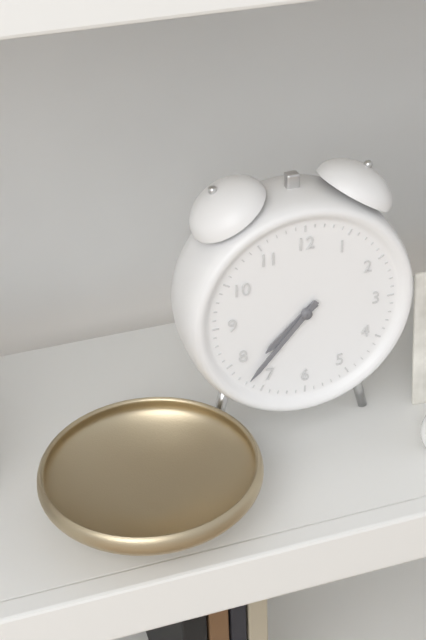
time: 7:37
